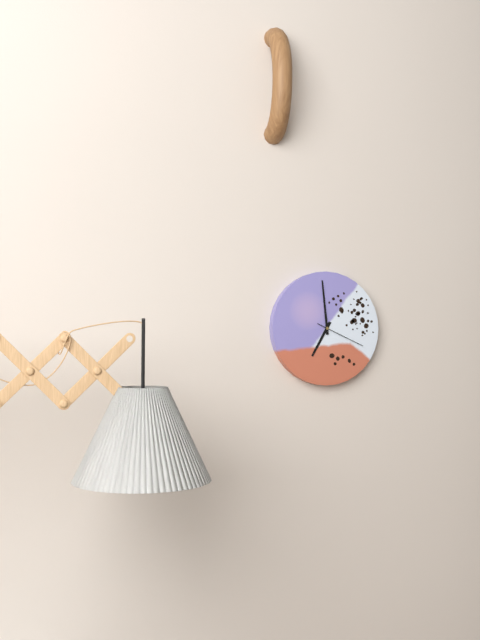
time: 6:59:19
